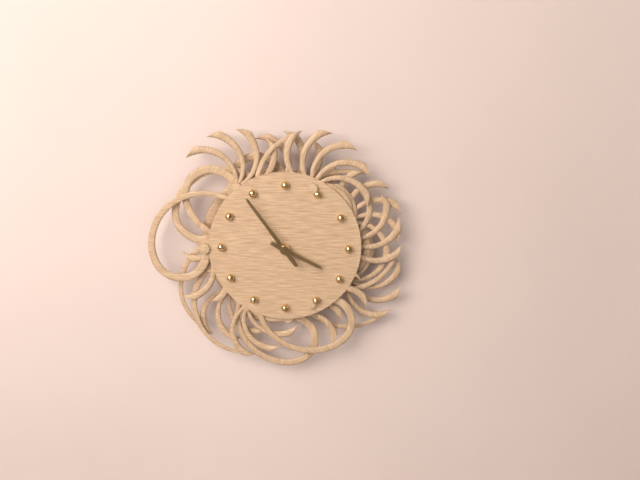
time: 3:54
